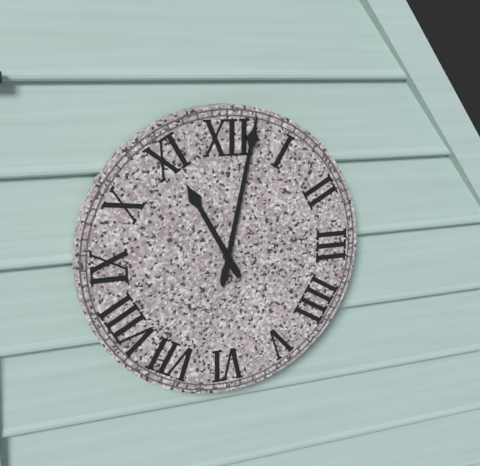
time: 11:02
